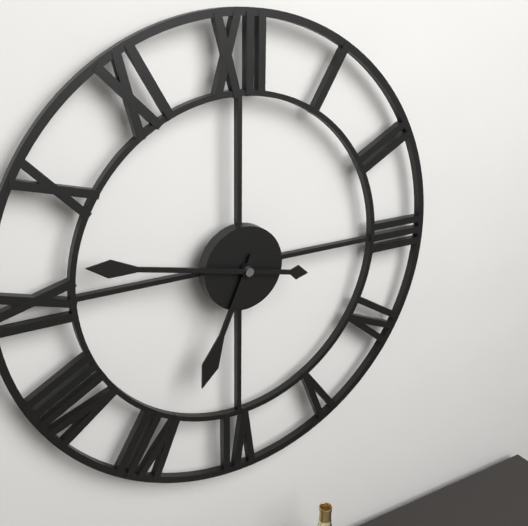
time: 6:47
